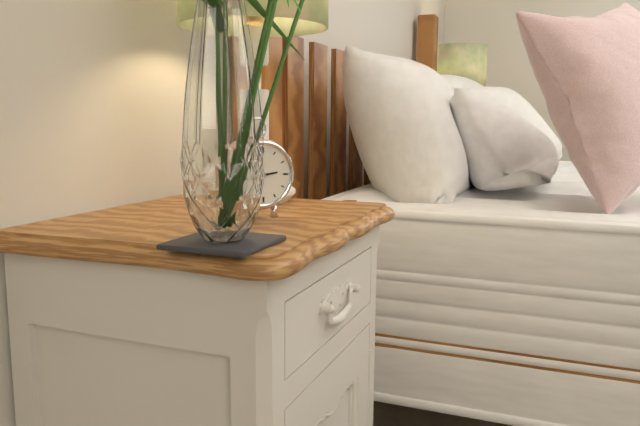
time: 2:43
